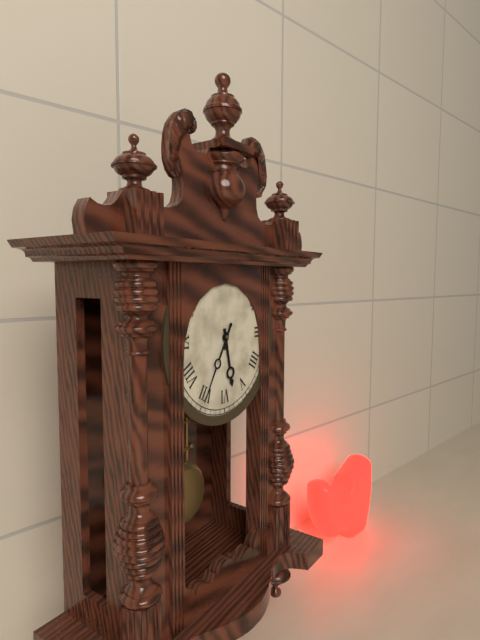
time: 5:35
